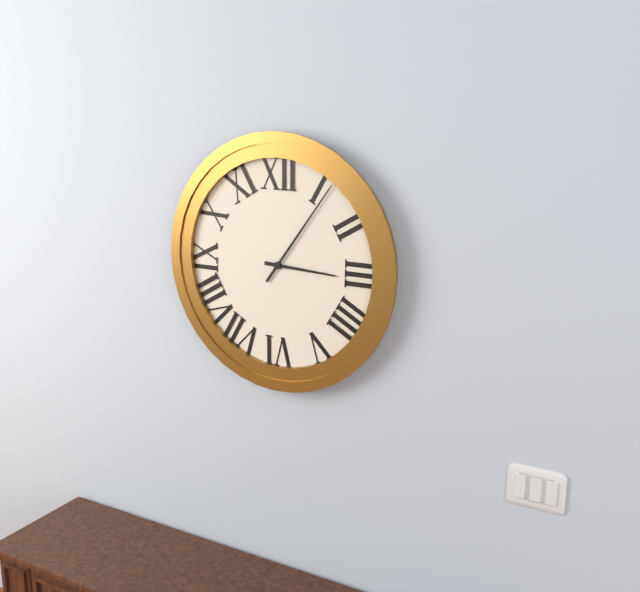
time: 3:06
